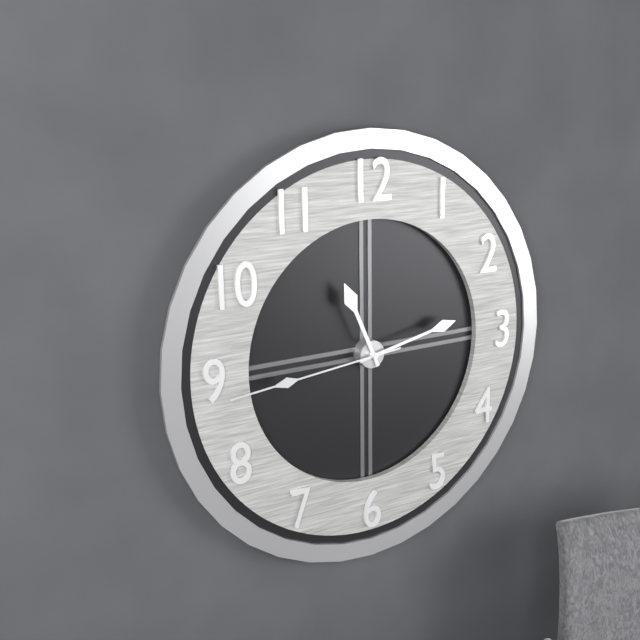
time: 11:13:44
